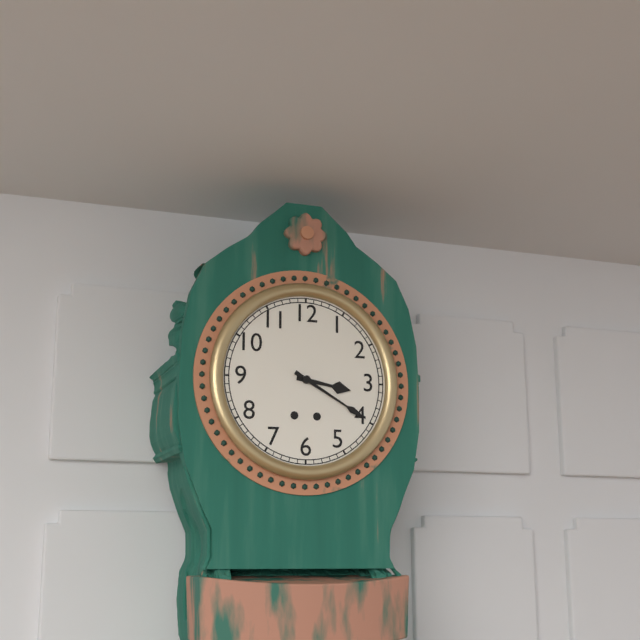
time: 3:20
